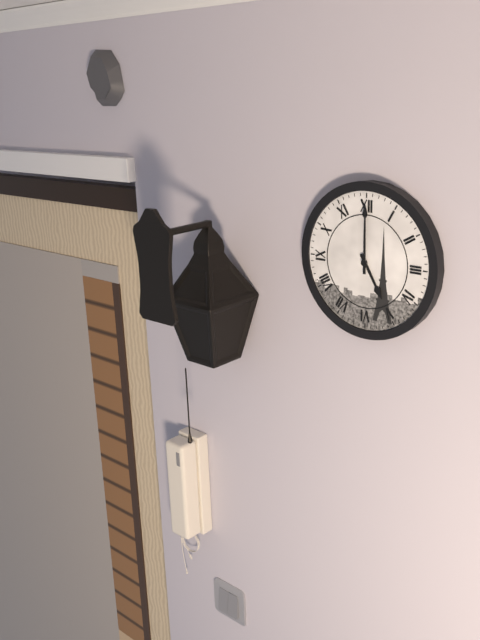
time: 5:00
